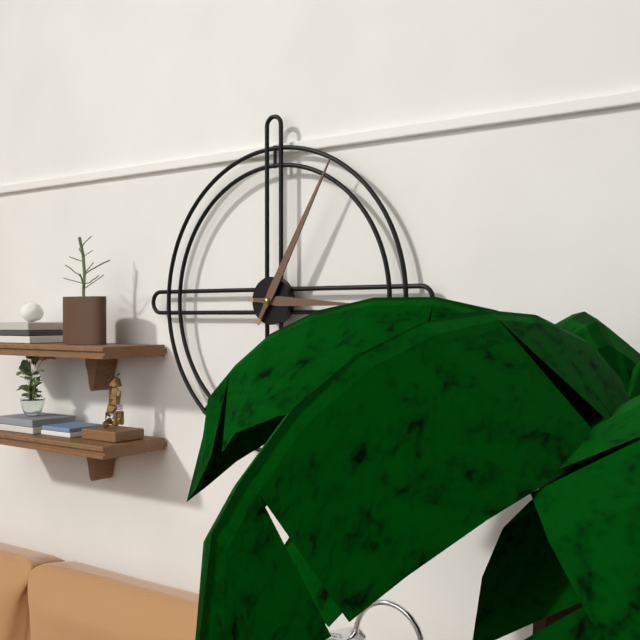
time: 3:05
